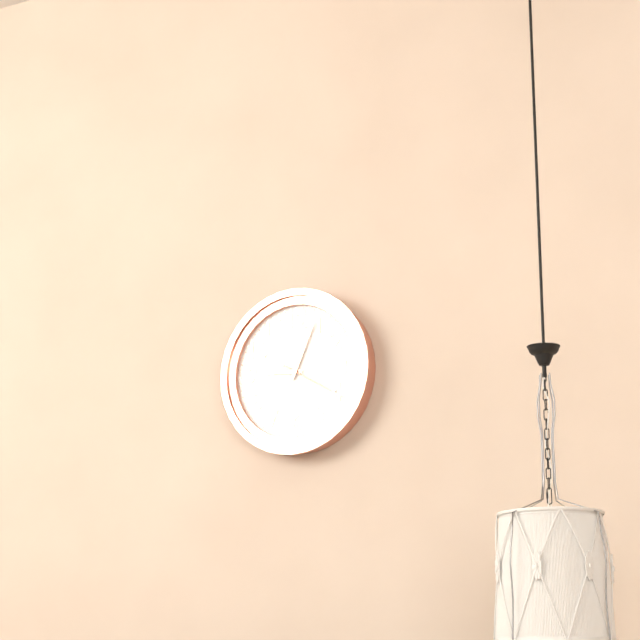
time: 9:04:20
